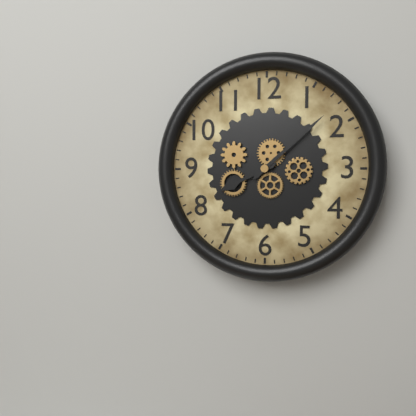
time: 8:08
